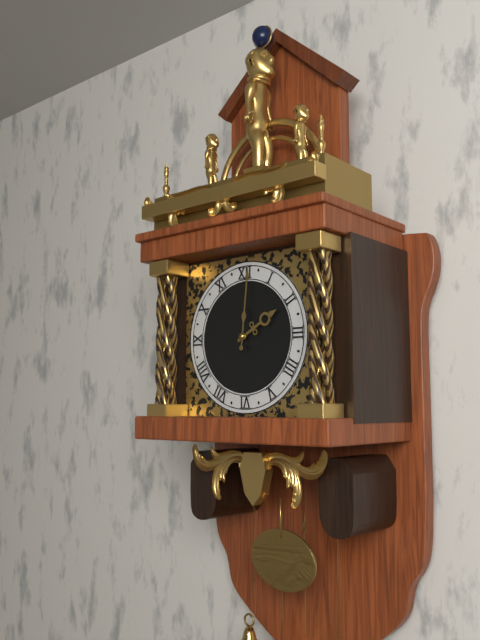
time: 2:01
